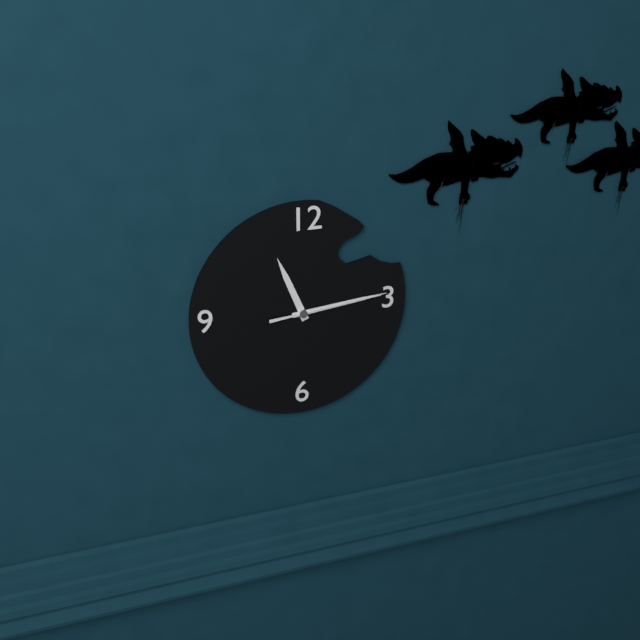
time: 11:14:14
